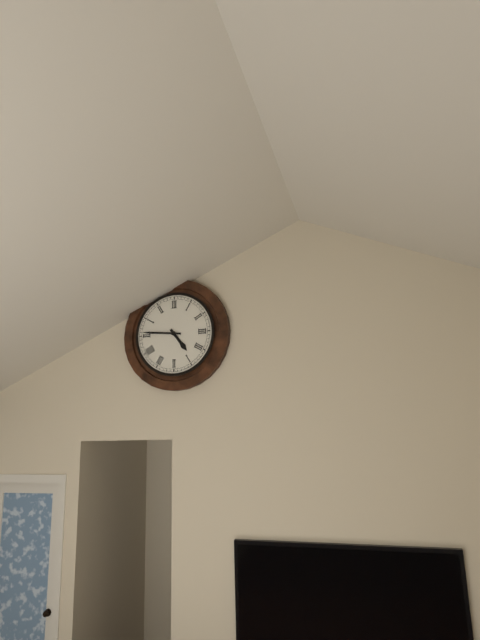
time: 4:46
